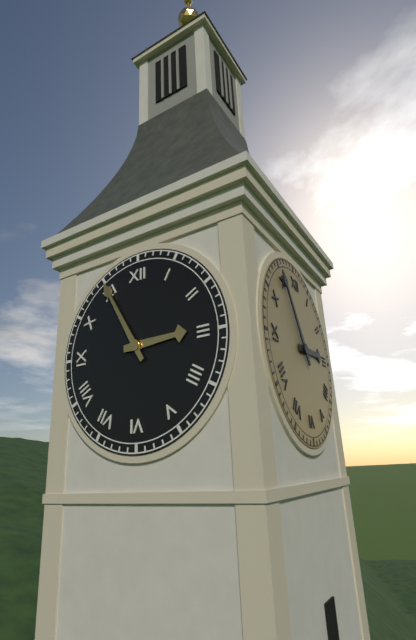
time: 2:55
